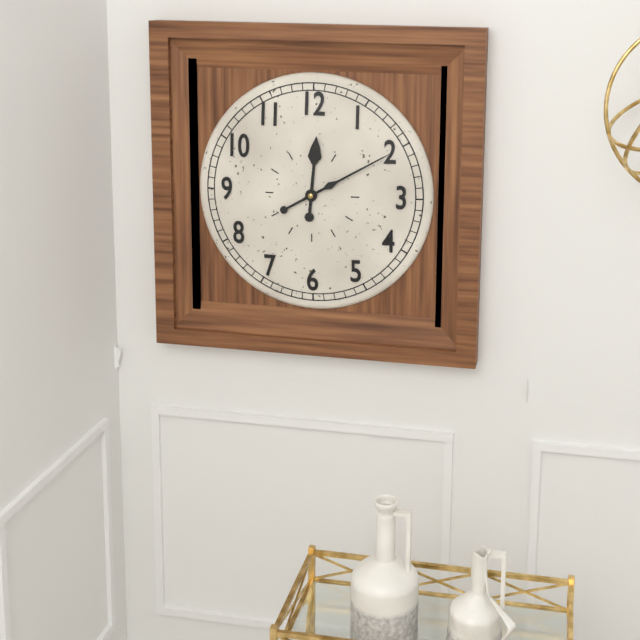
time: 12:10
